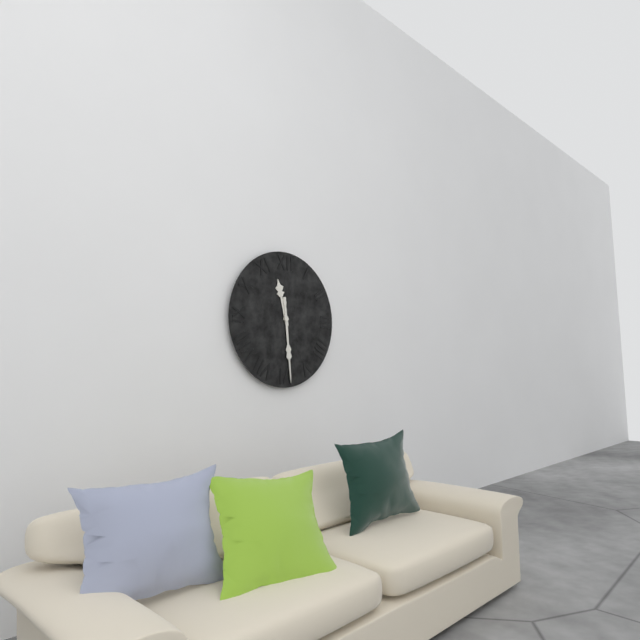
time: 11:29
